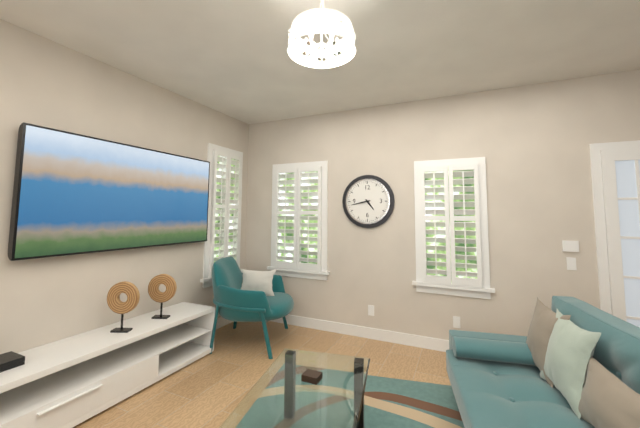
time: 4:43
